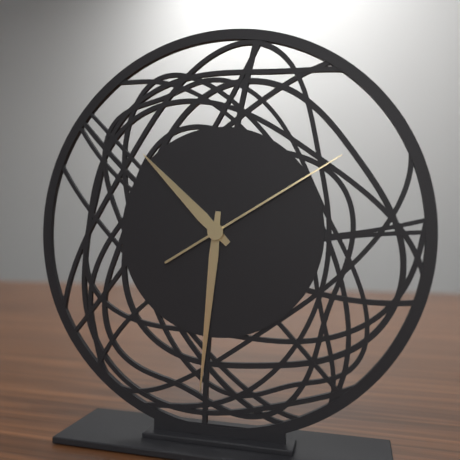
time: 10:31:10
